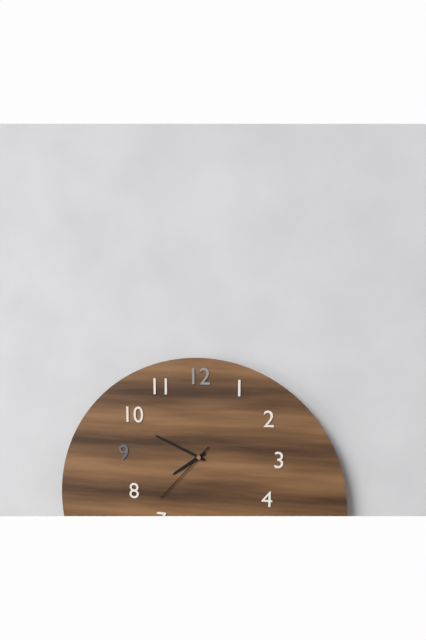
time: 7:49:37
